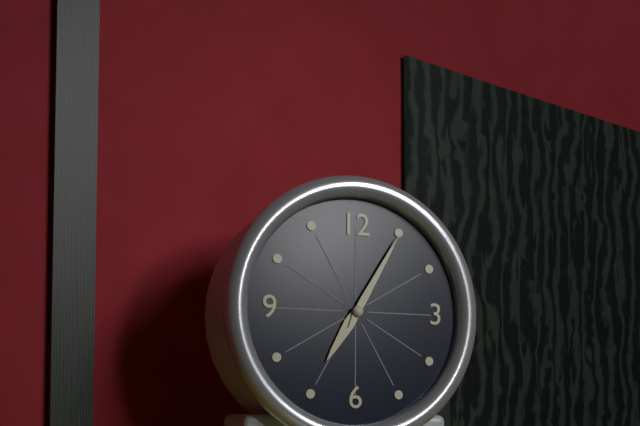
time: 7:05
